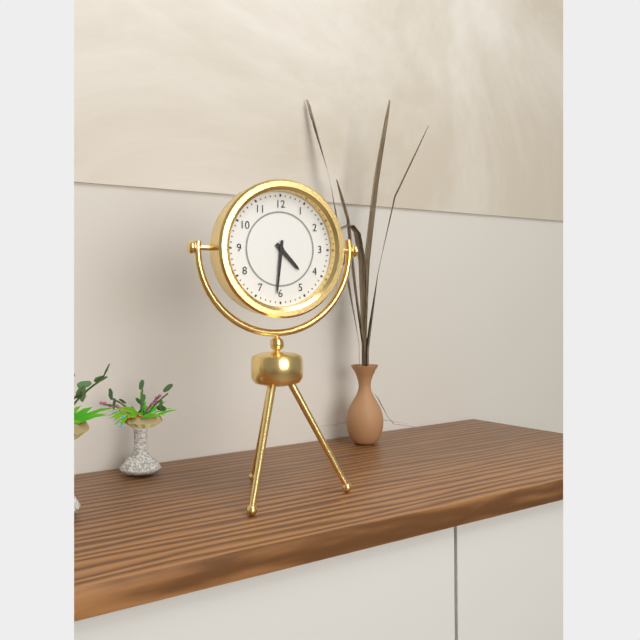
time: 4:31
